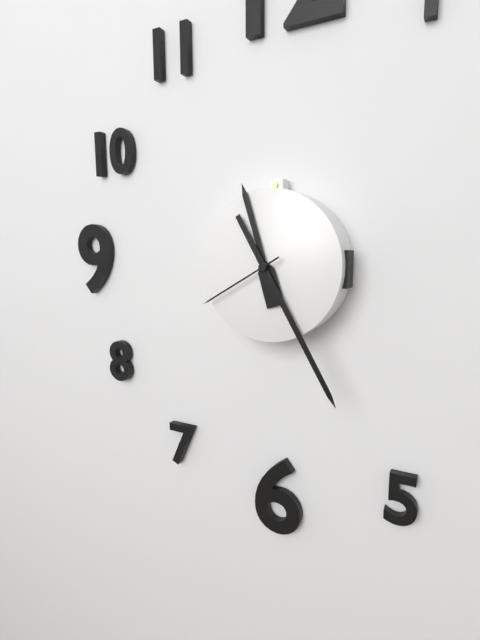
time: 11:25:40
